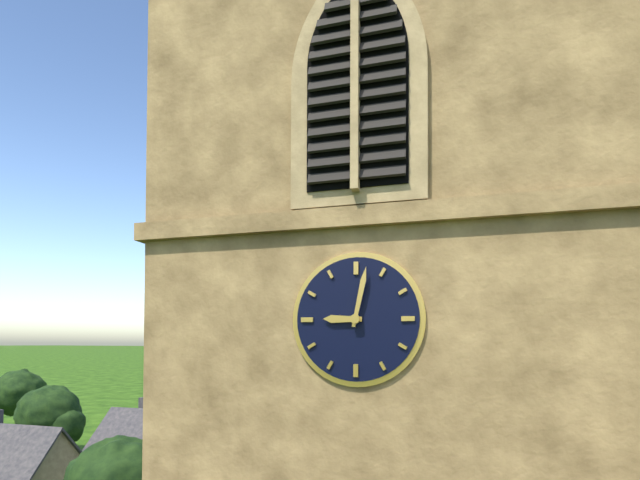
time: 9:02
